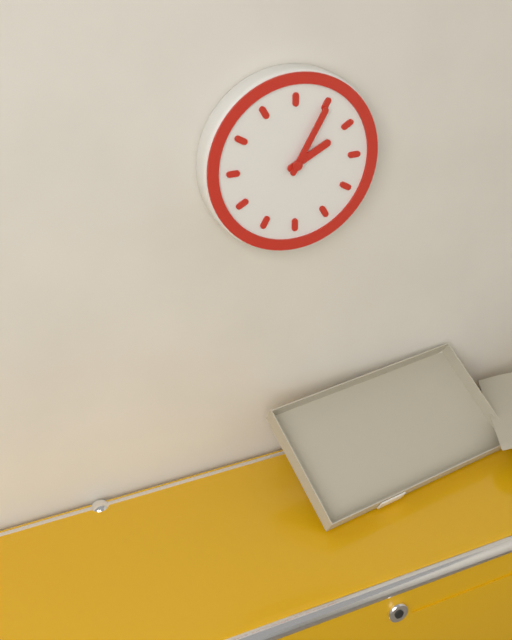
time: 2:05
